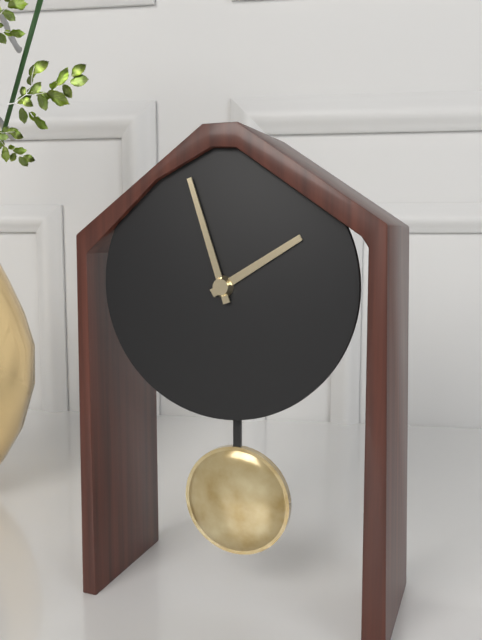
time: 1:57
